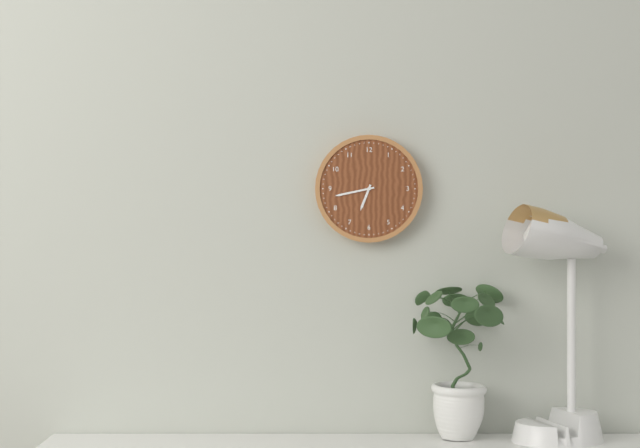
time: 6:43
